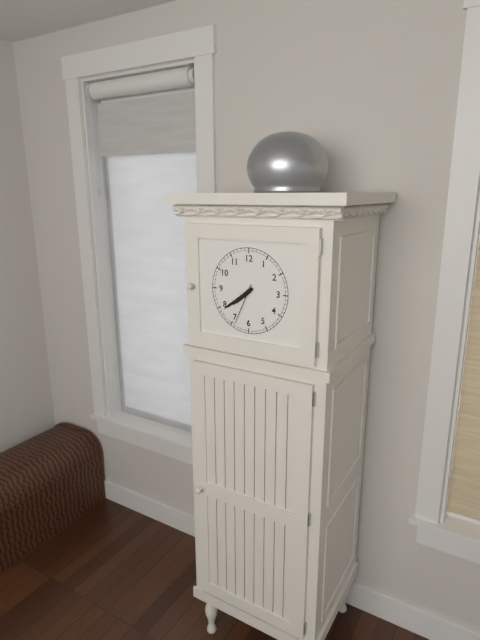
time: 7:39
